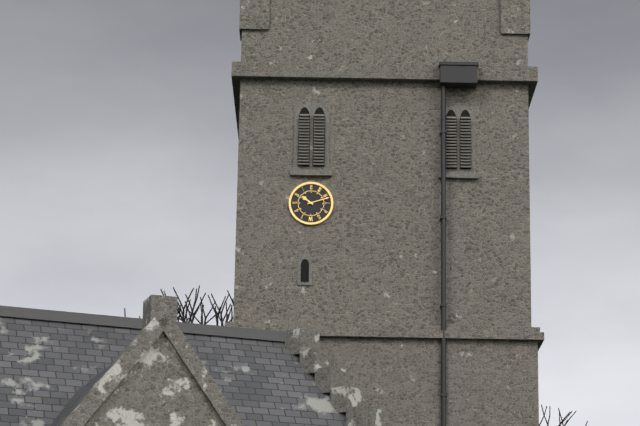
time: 10:12
